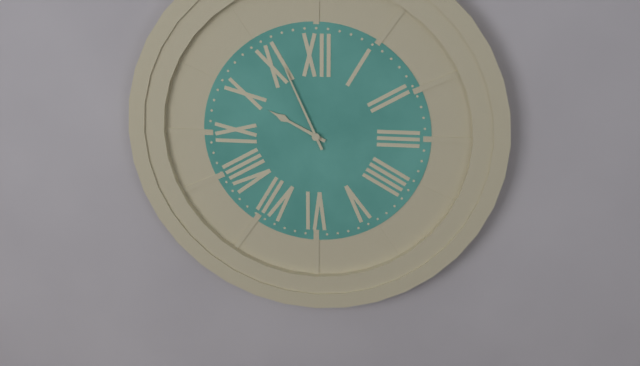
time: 9:56
